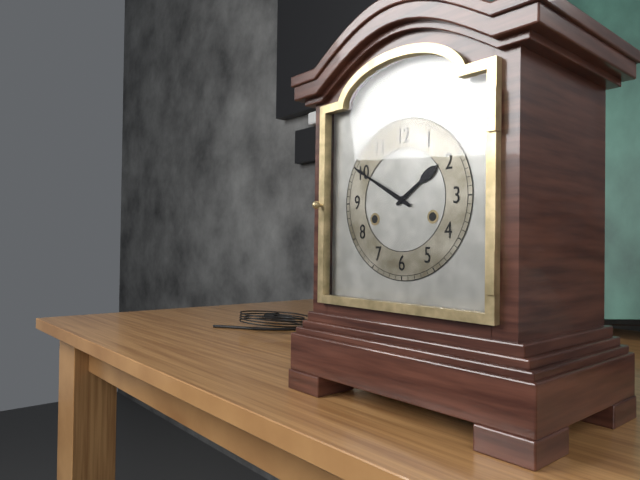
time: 1:50
